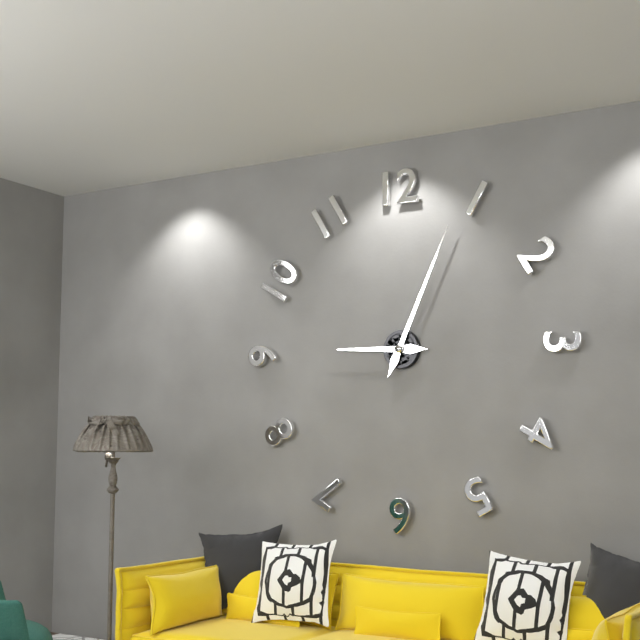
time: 9:04
